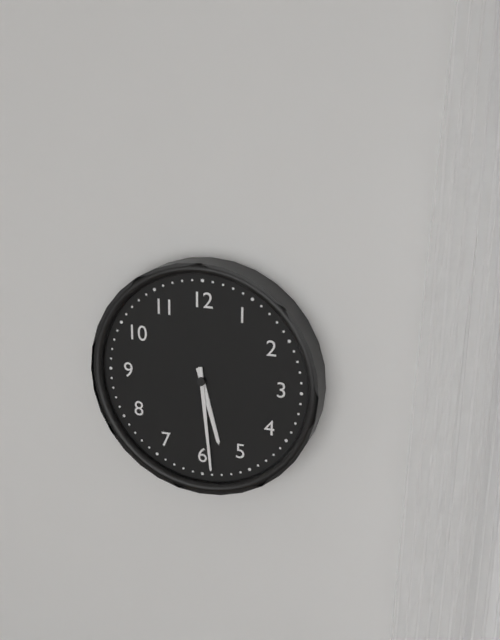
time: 5:29
